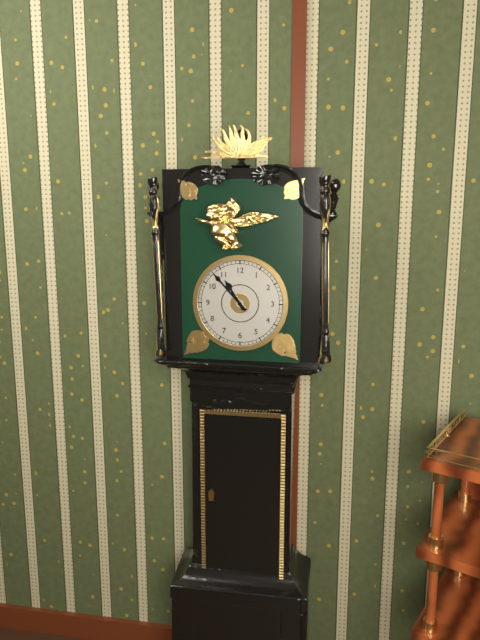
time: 10:53
